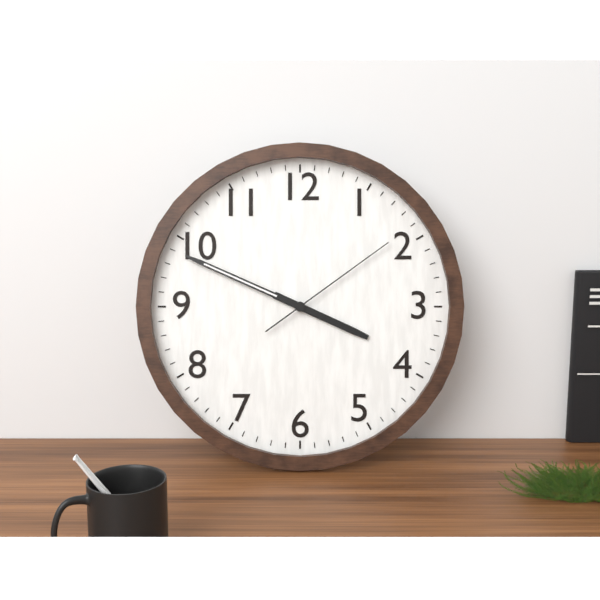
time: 3:49:09
